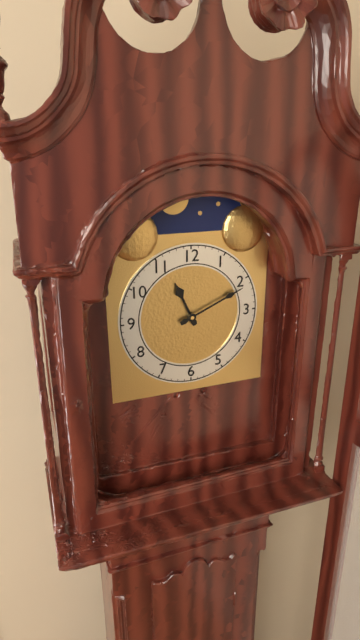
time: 11:11
